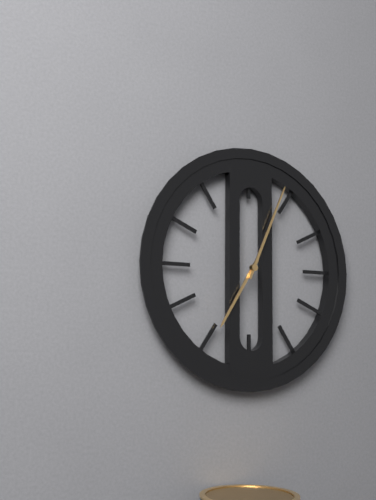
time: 7:04
